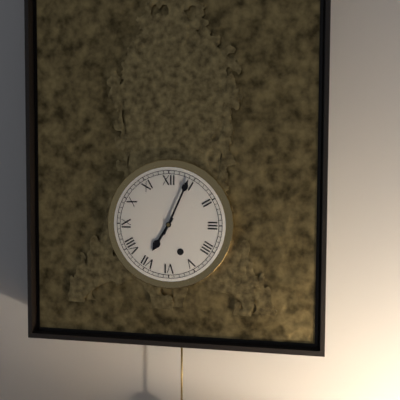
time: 7:04
